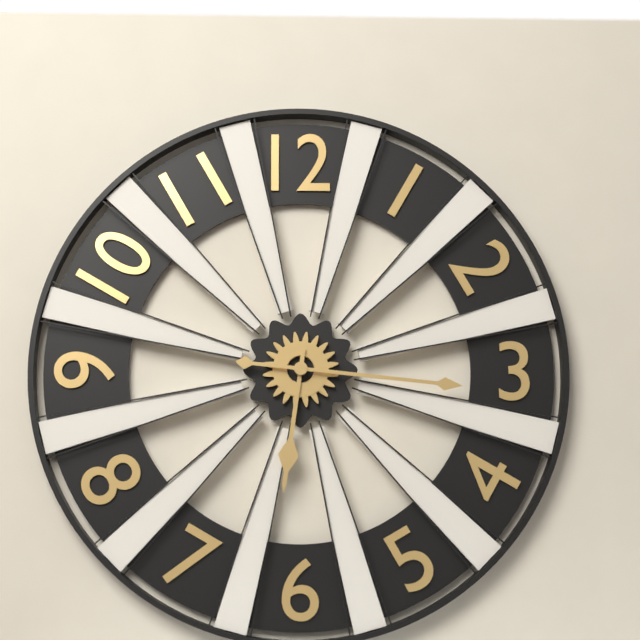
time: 6:16
